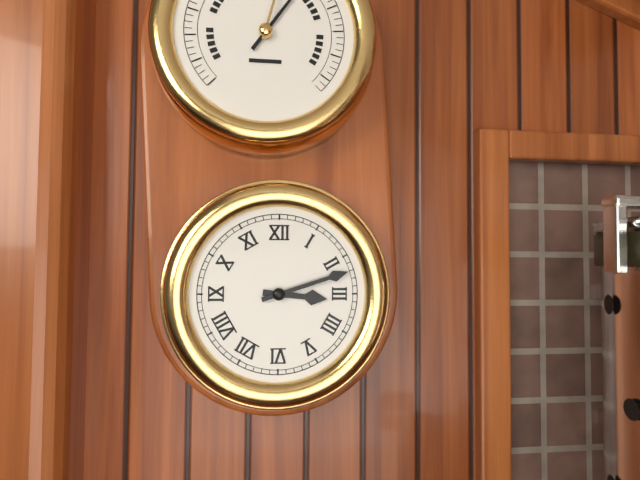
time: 3:12
